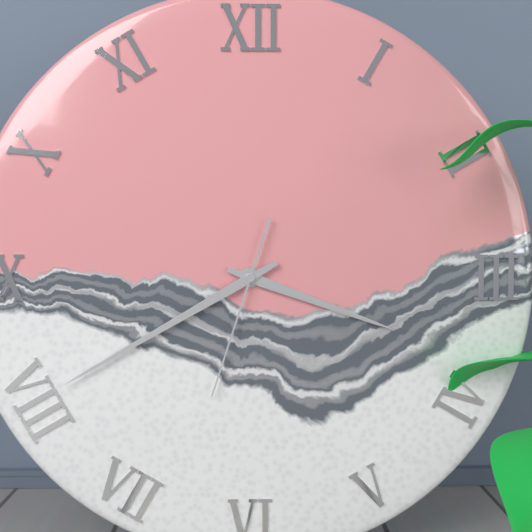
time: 3:40:33
